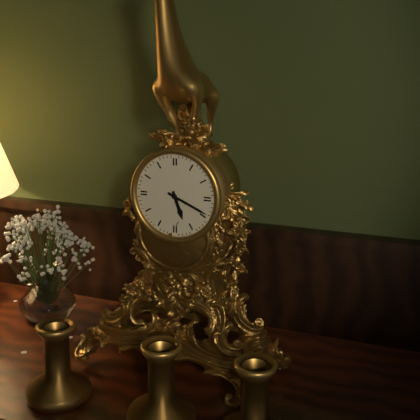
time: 5:19
